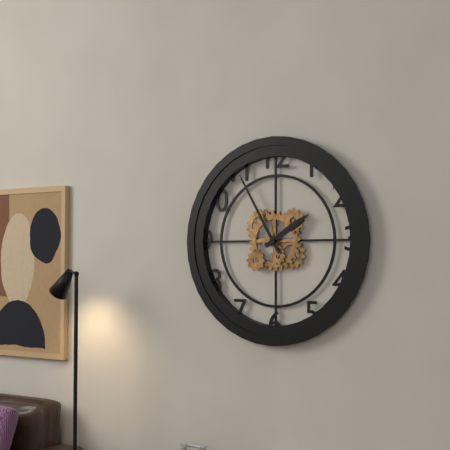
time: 1:55
